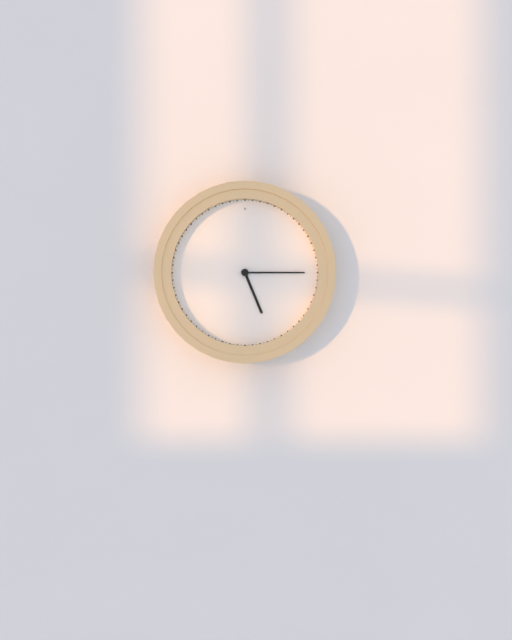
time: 5:15
